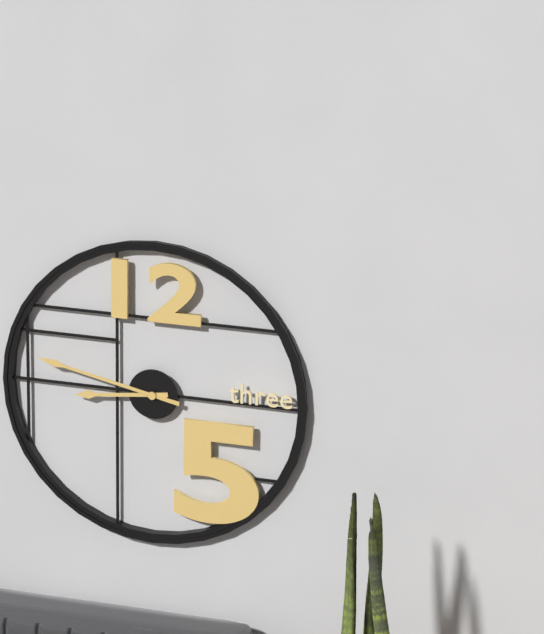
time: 8:47
